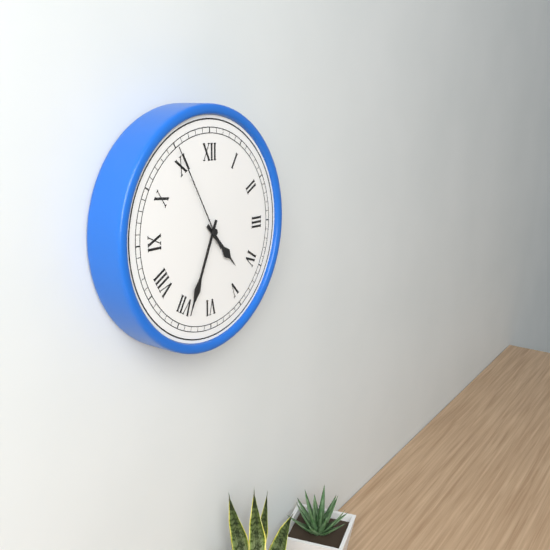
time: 4:34:55
